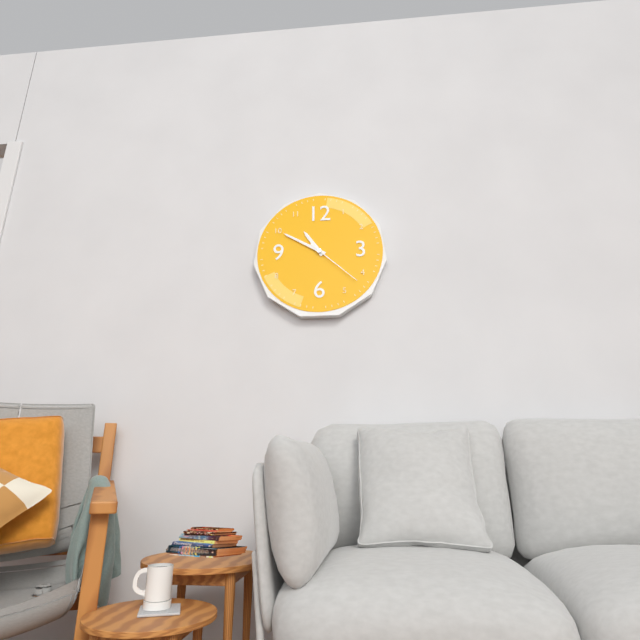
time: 10:50:22
